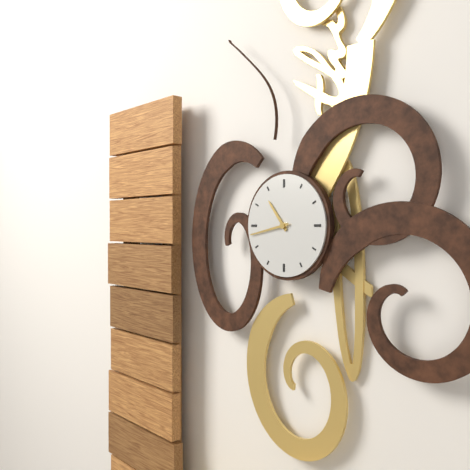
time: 10:43
